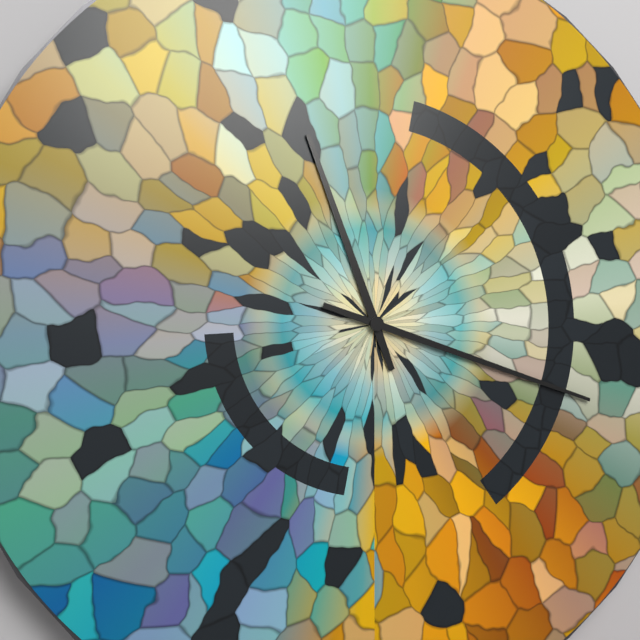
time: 11:18
